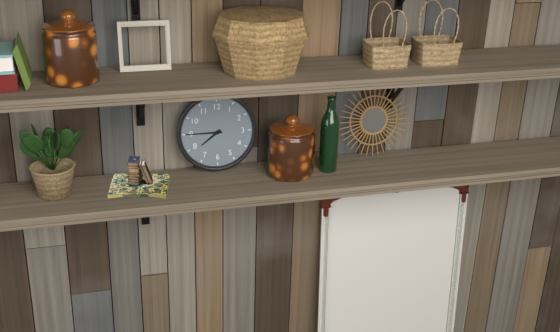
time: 7:45
